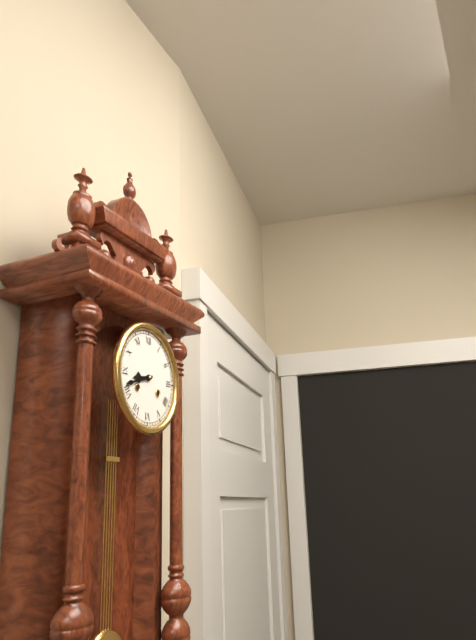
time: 8:42
